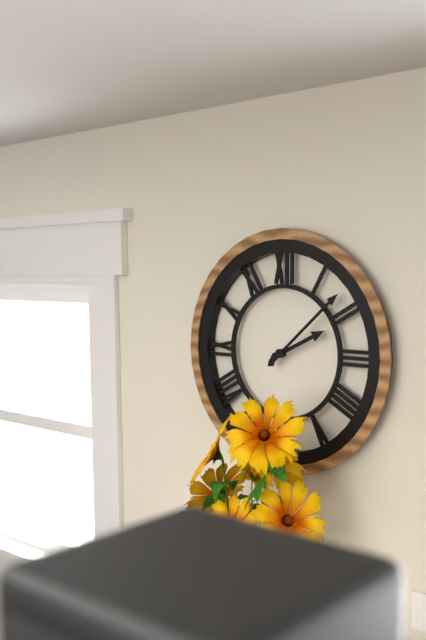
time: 2:08
